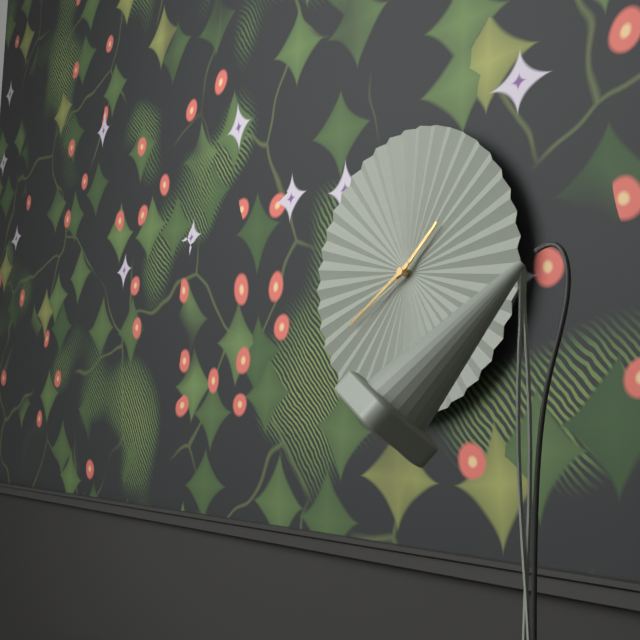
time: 1:40
